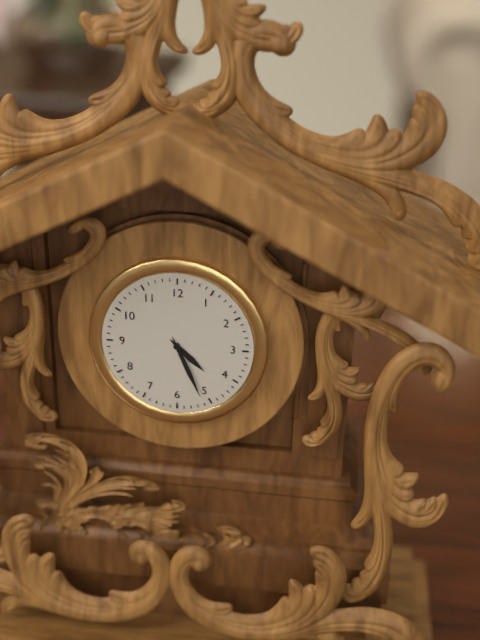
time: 4:26
